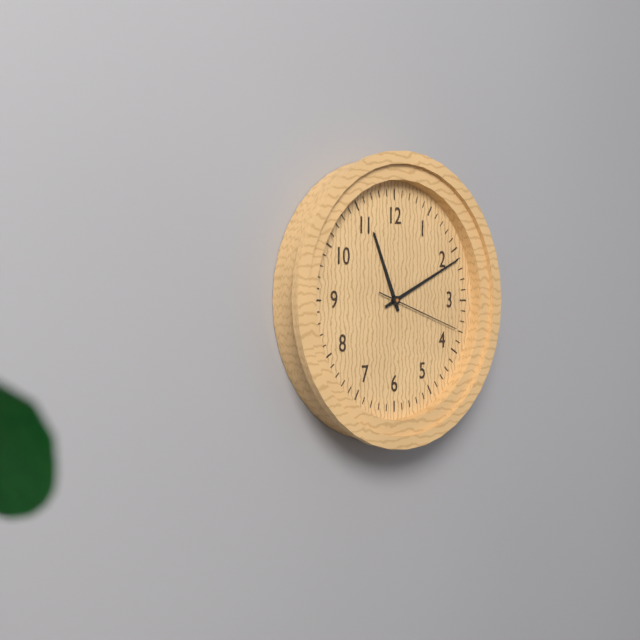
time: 11:11:18
